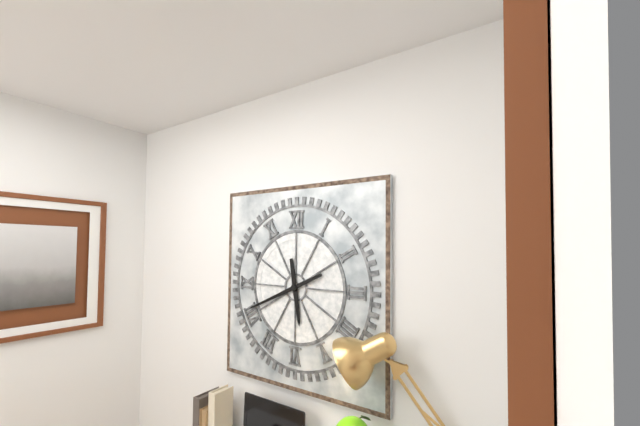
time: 5:41
